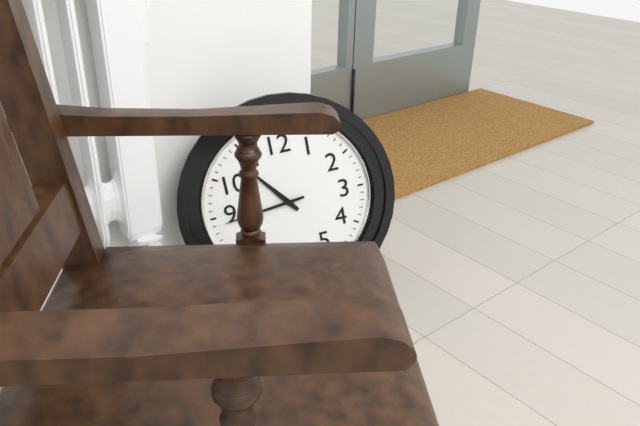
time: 10:44
